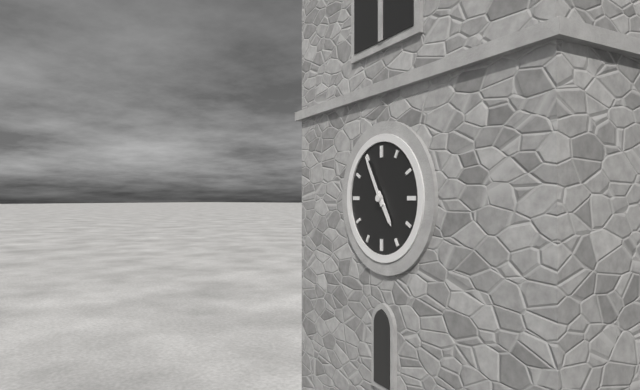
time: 4:55
